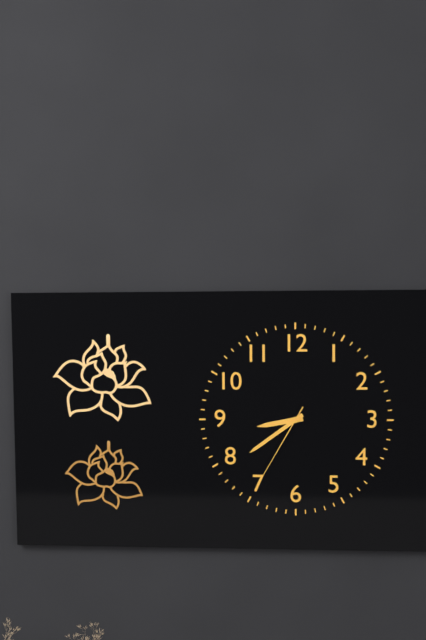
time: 8:39:35
